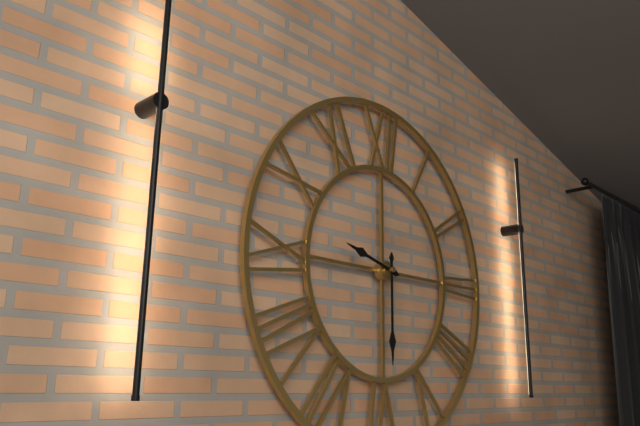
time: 9:30
